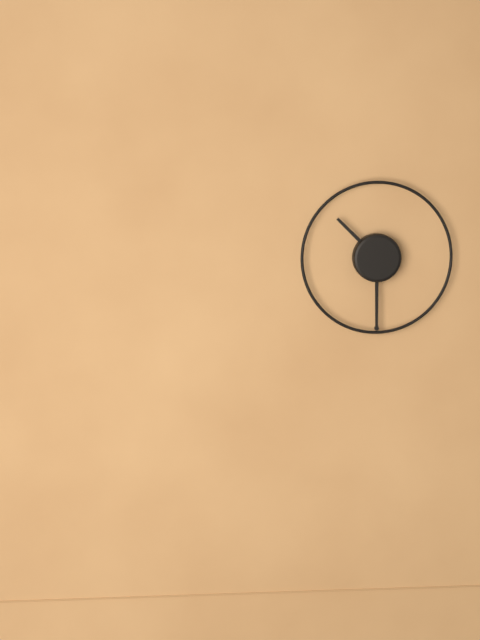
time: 10:30
